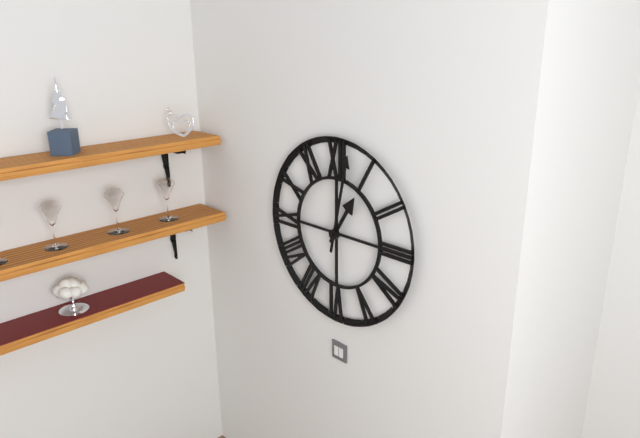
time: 1:02
